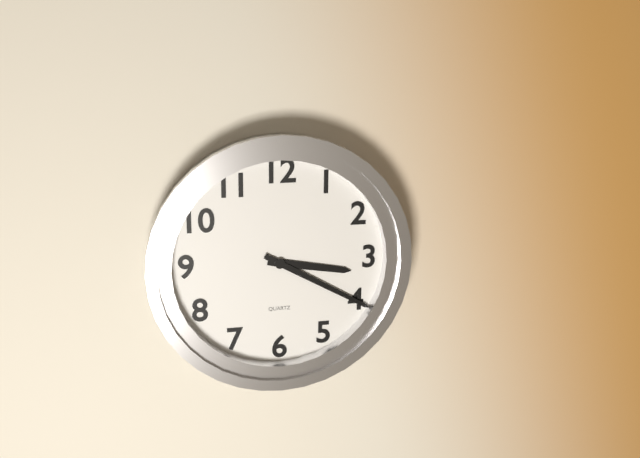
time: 3:20
